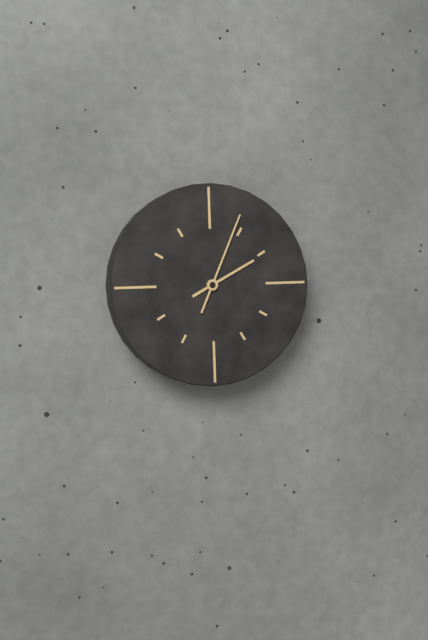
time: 2:04
